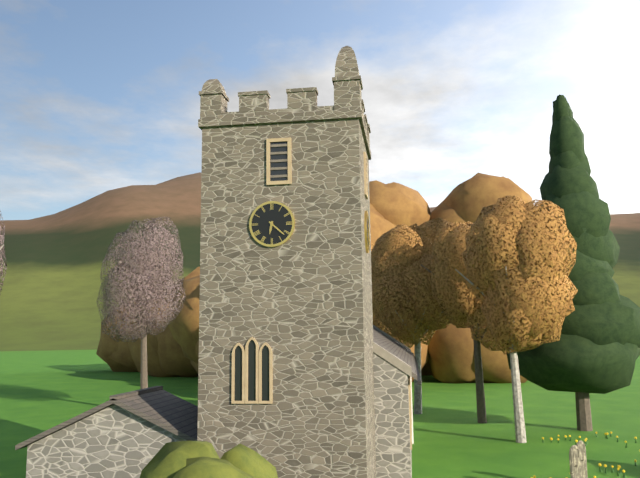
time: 6:22
